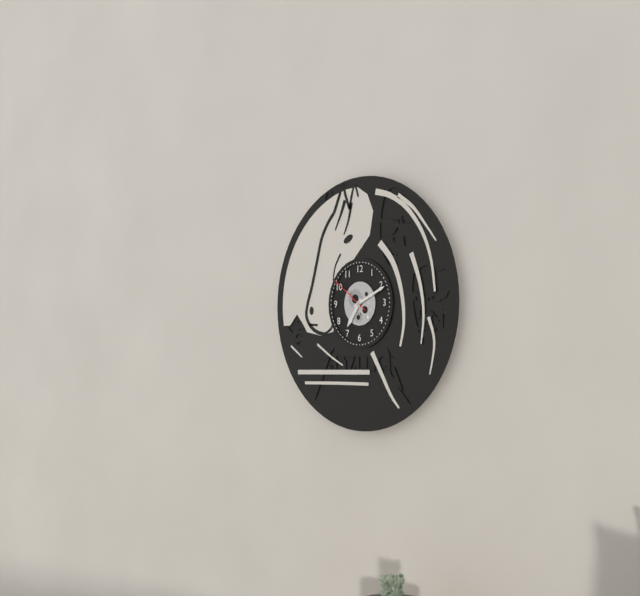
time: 7:11
